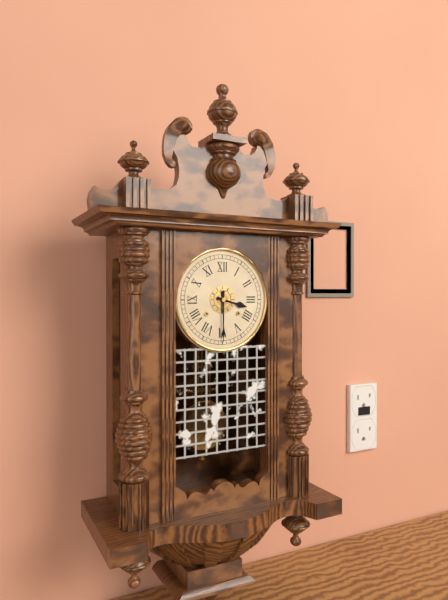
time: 3:30
